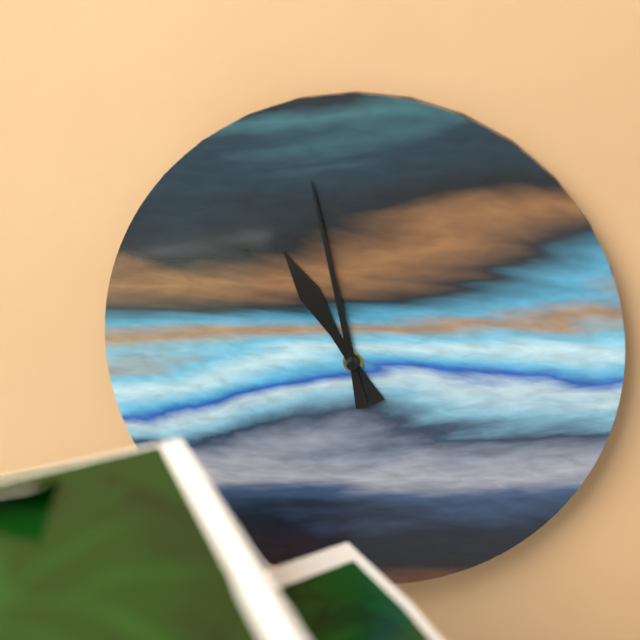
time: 10:58
